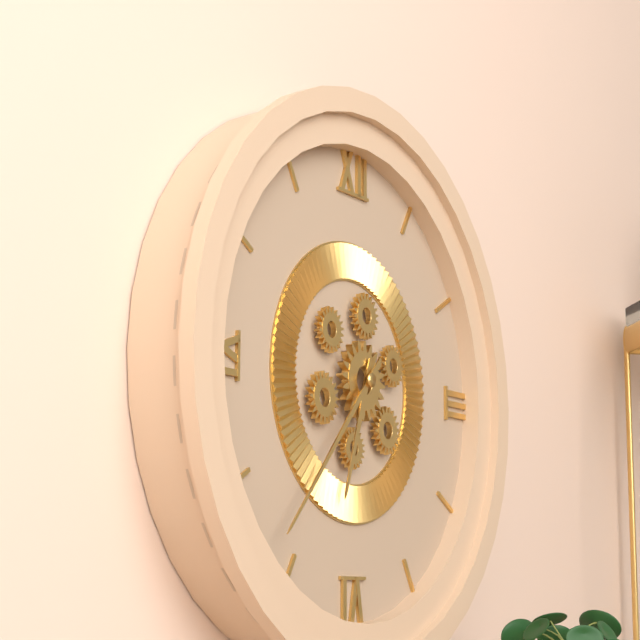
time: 6:37
